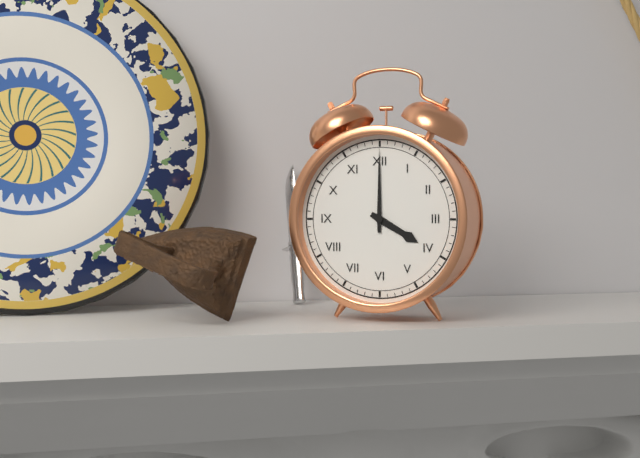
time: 4:00
